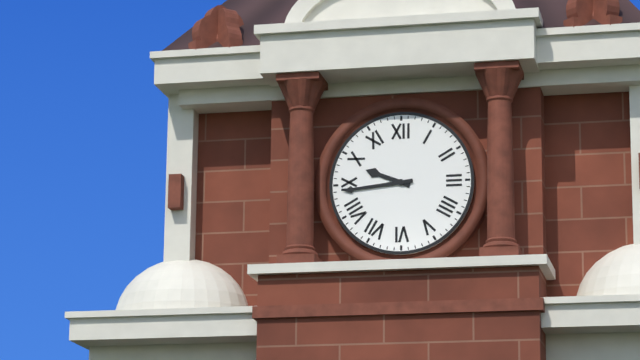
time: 9:44
